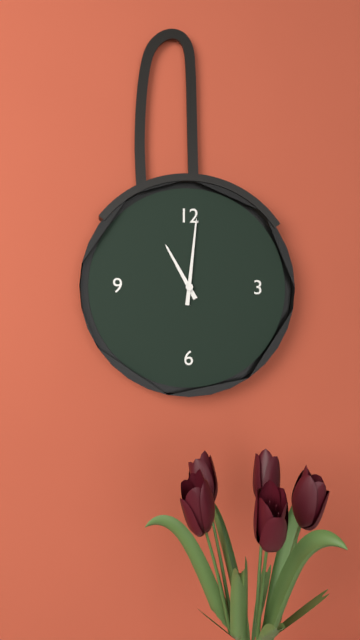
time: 11:01
